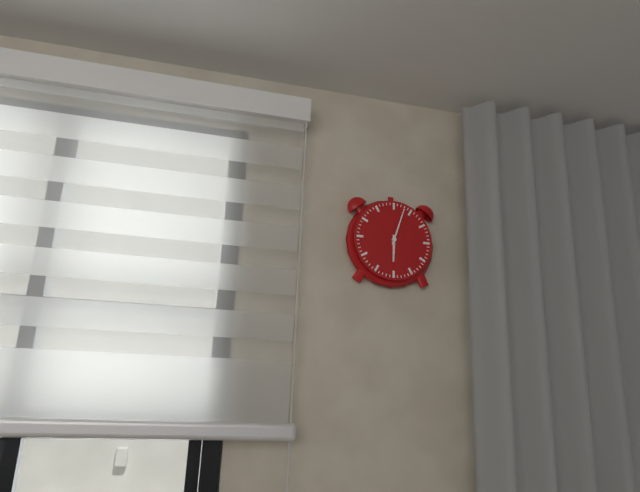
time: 6:03
